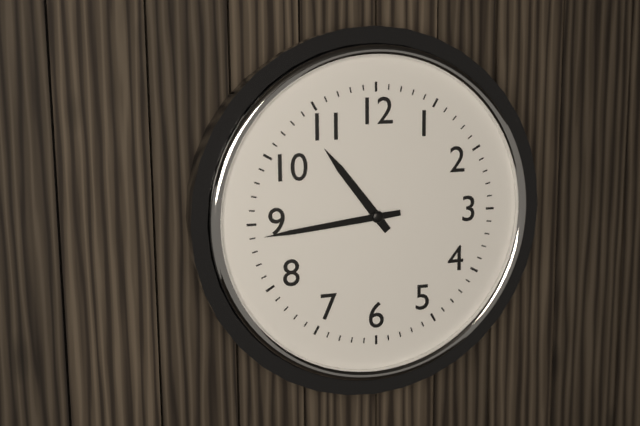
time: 10:44
